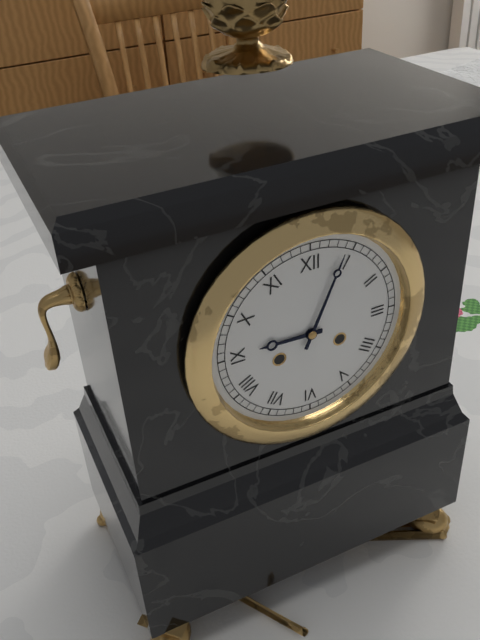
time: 9:04
